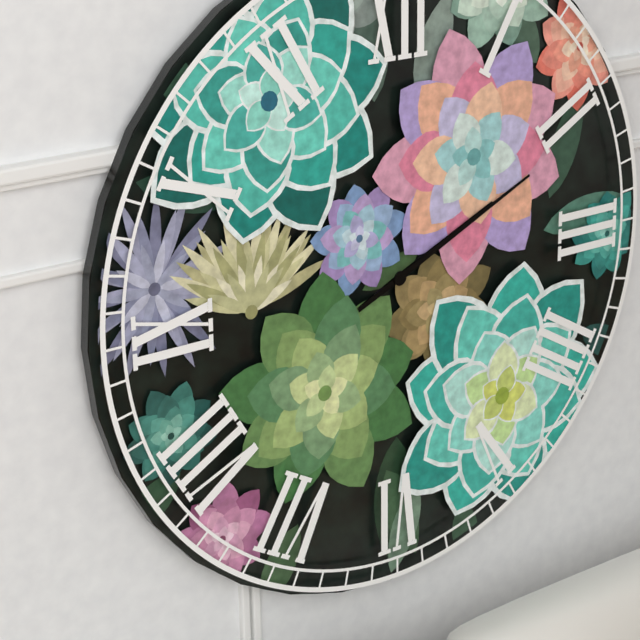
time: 2:11
